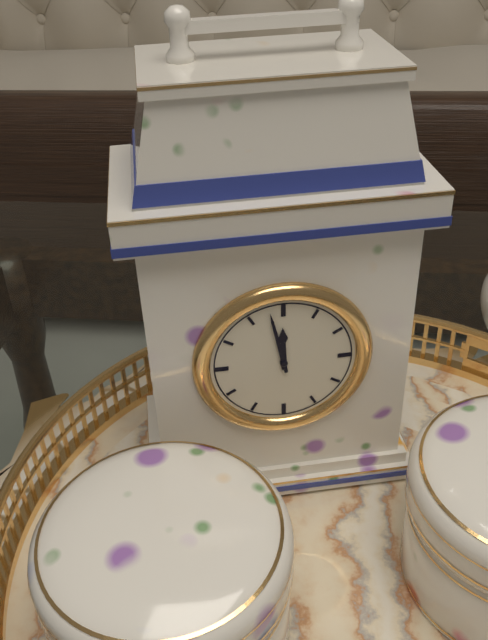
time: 11:58
